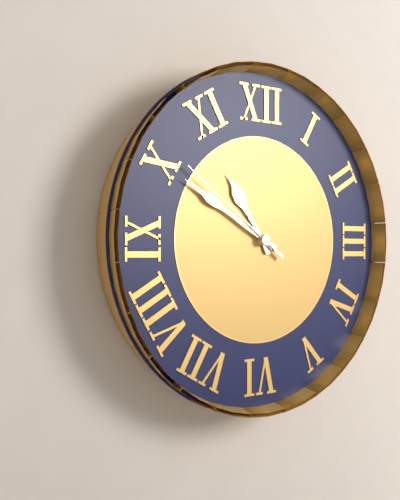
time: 10:50:51
